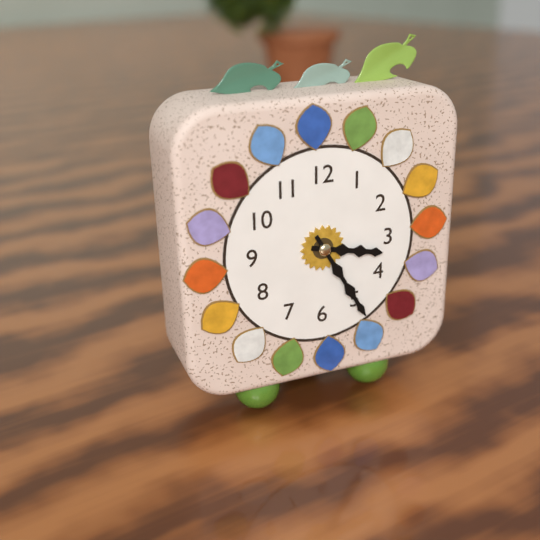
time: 3:25
